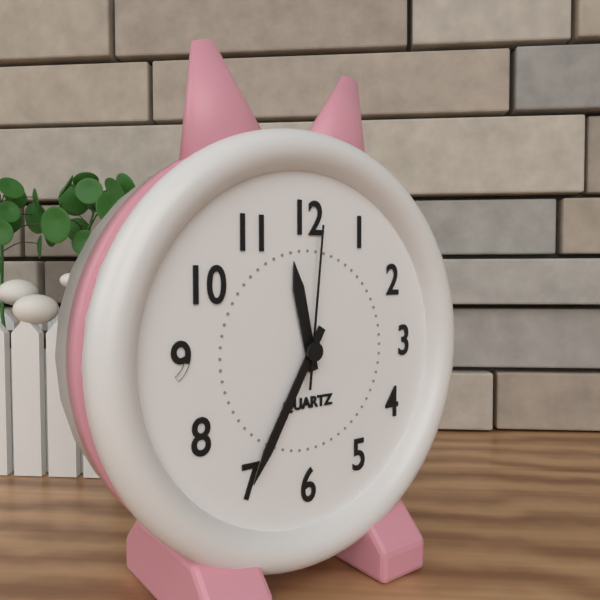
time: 11:35:01
